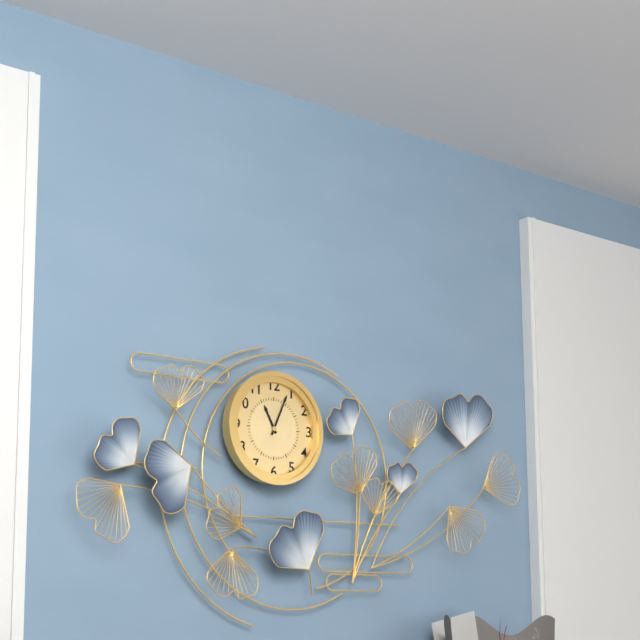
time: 11:04
